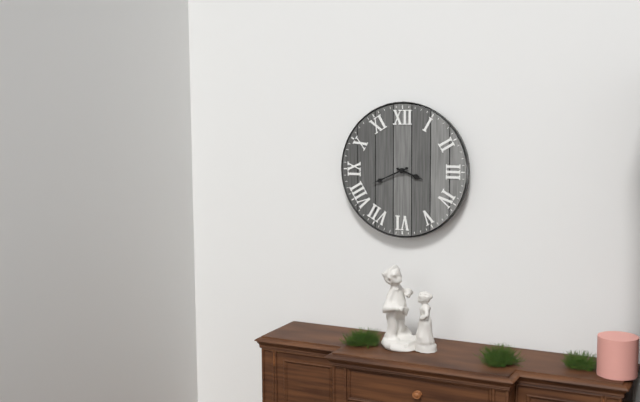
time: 3:41
